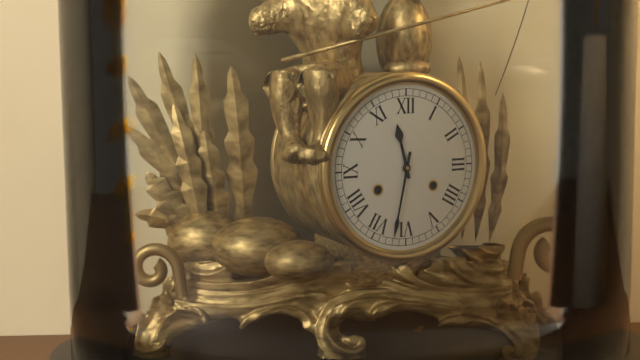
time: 11:32
